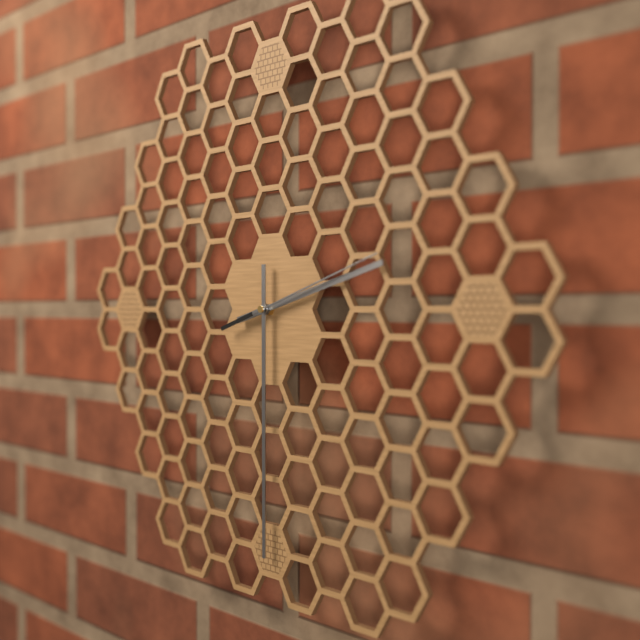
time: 2:30:12
